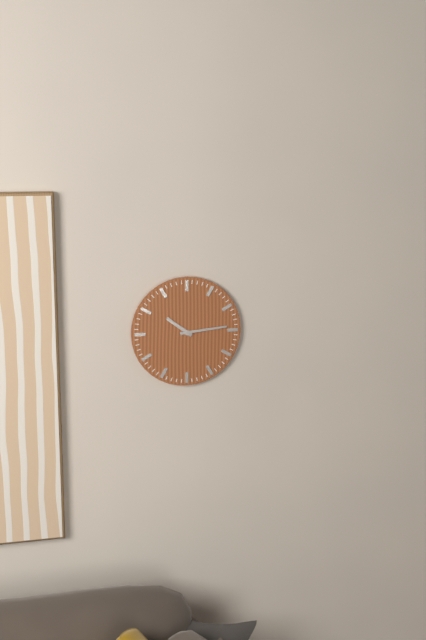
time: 10:14
